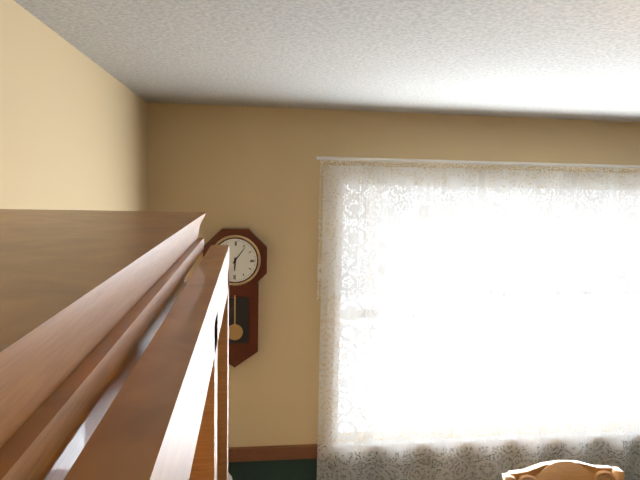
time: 6:06
